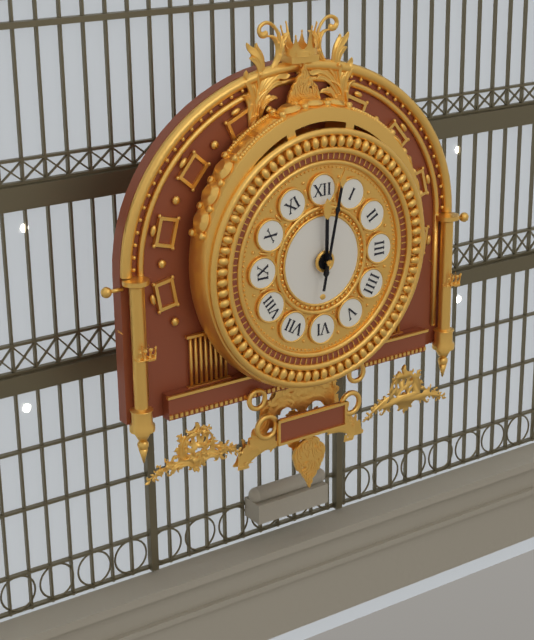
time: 12:02
